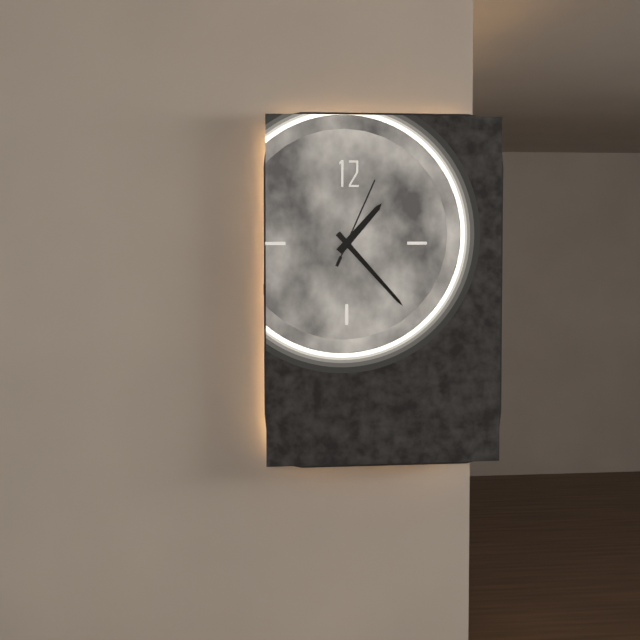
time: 1:23:04
